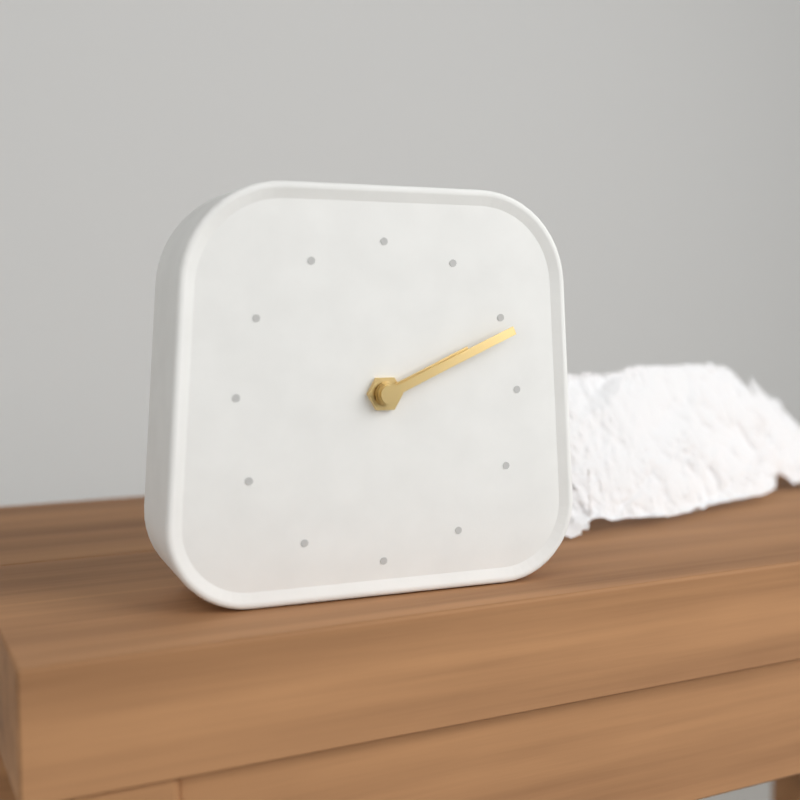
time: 2:11
